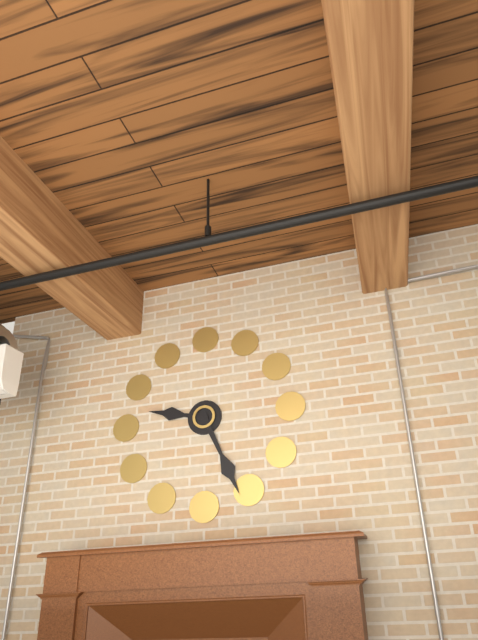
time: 9:26
